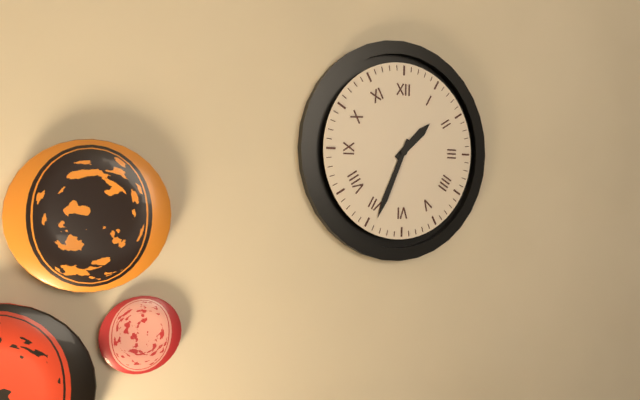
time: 1:34
